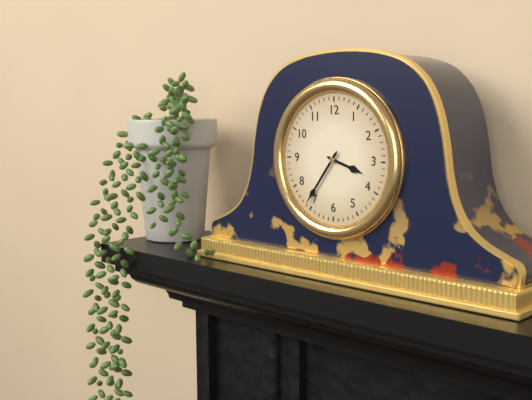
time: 3:36
